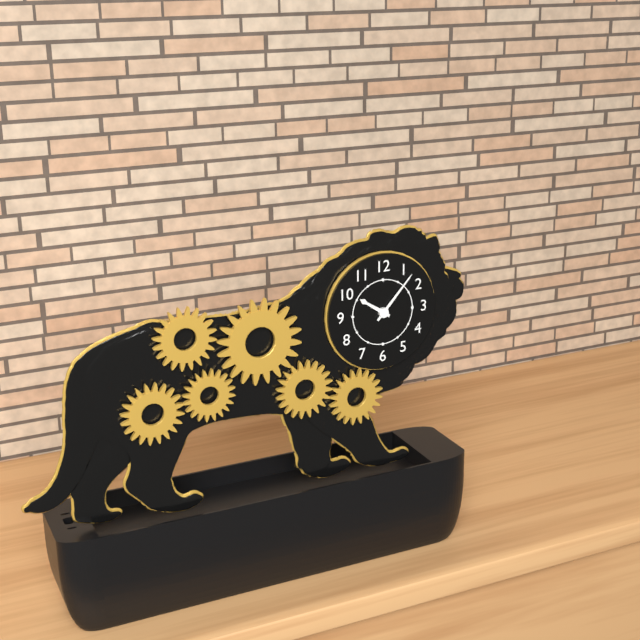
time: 10:07
